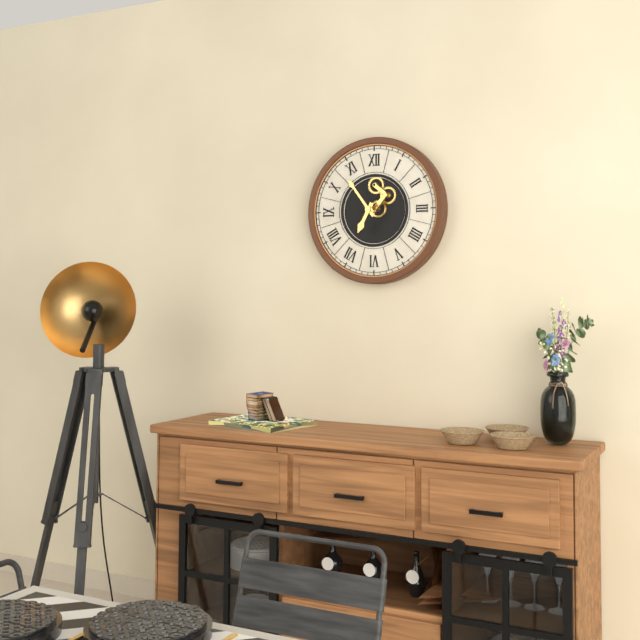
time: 6:54
